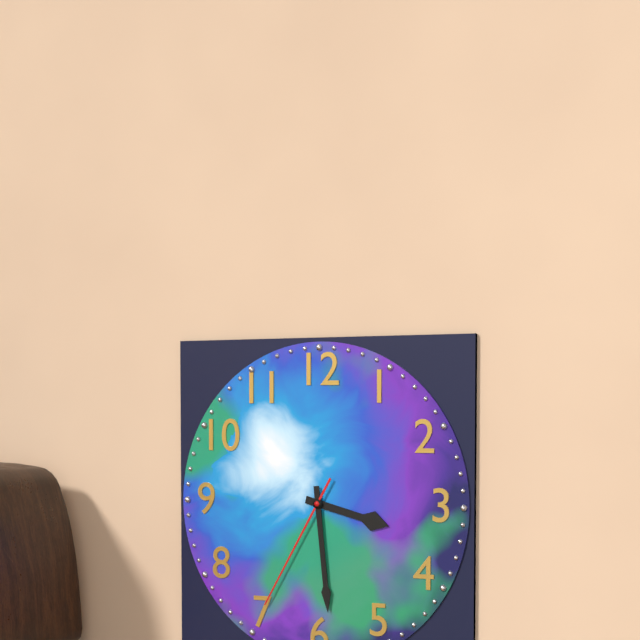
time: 3:29:35
